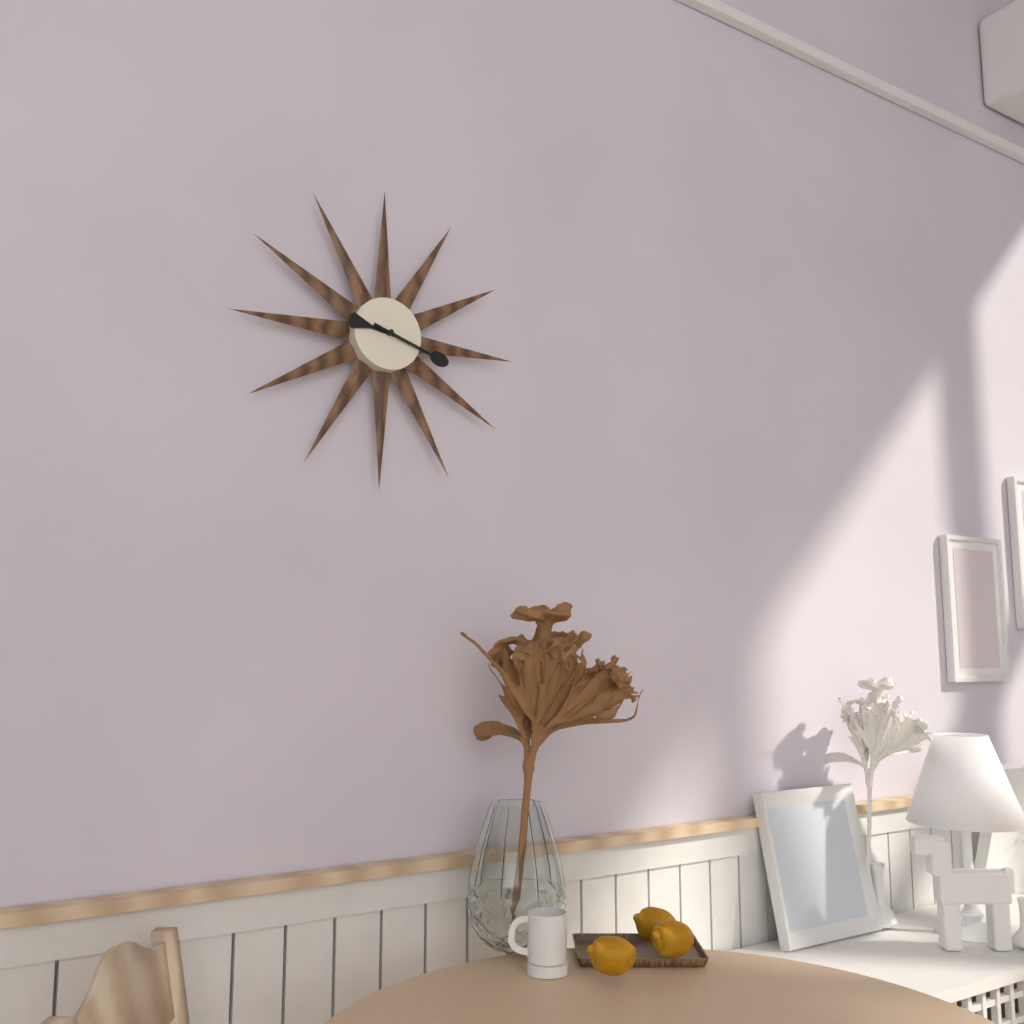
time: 9:18
